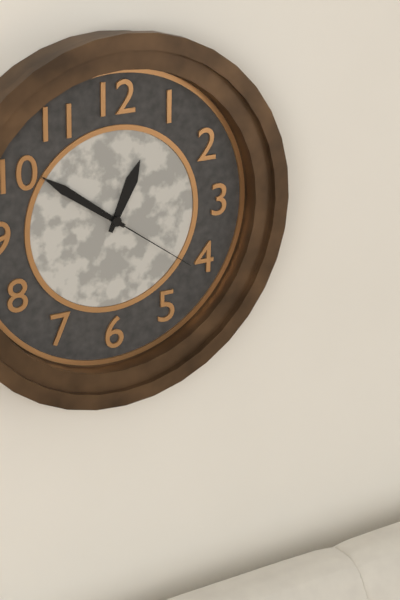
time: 12:51:21
